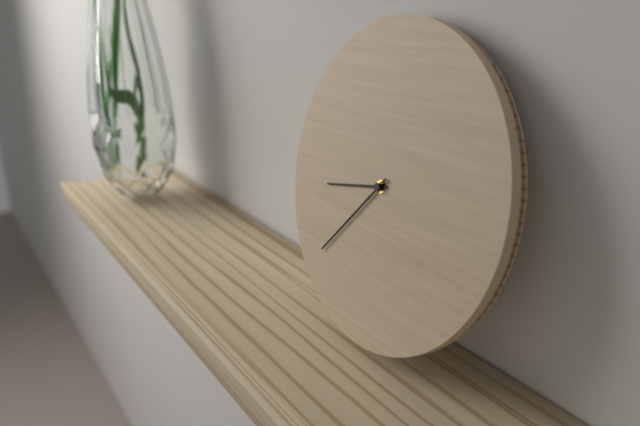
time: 8:37
